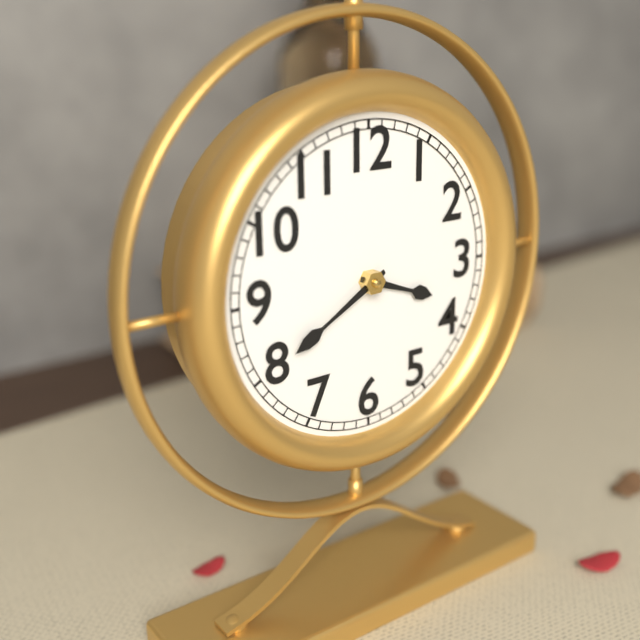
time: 3:40
